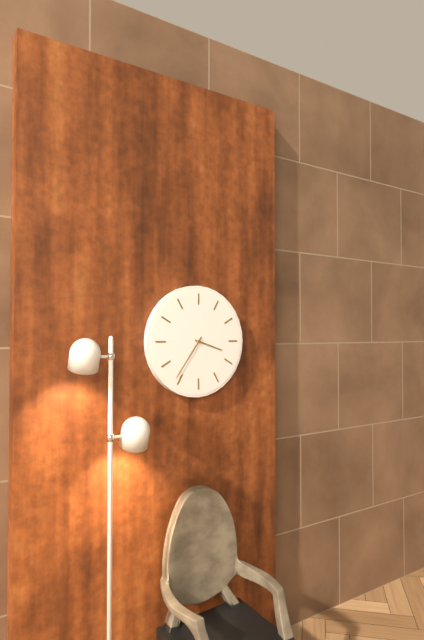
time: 3:36
